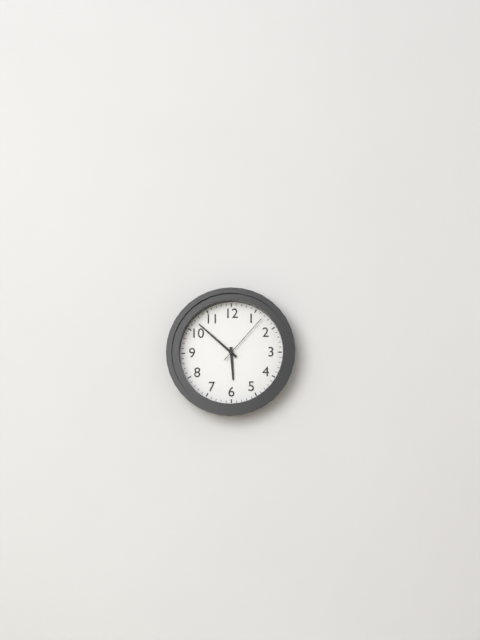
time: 5:52:07
